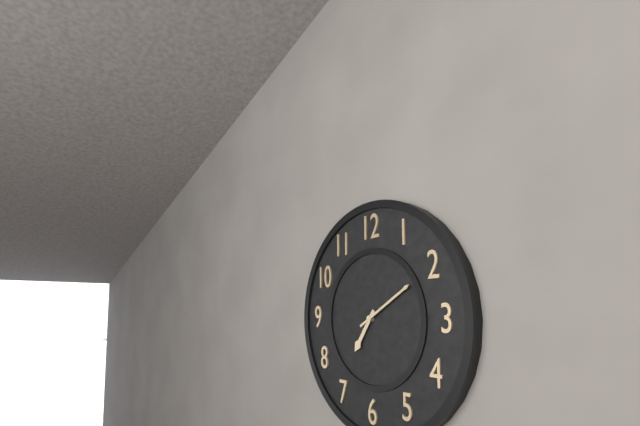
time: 7:10
